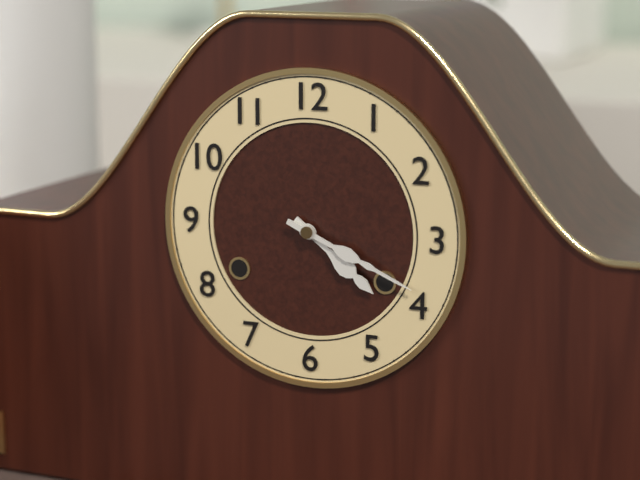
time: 4:19
